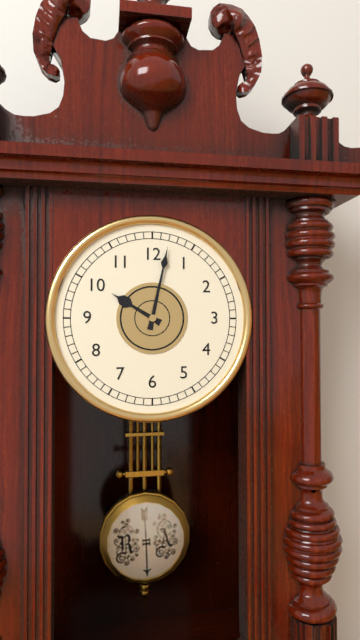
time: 10:02
